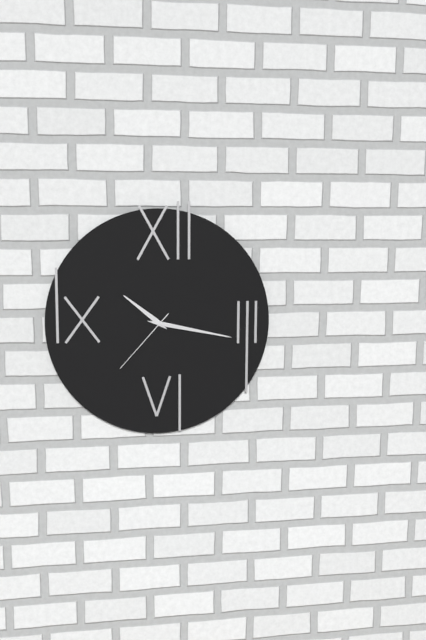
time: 10:17:37
